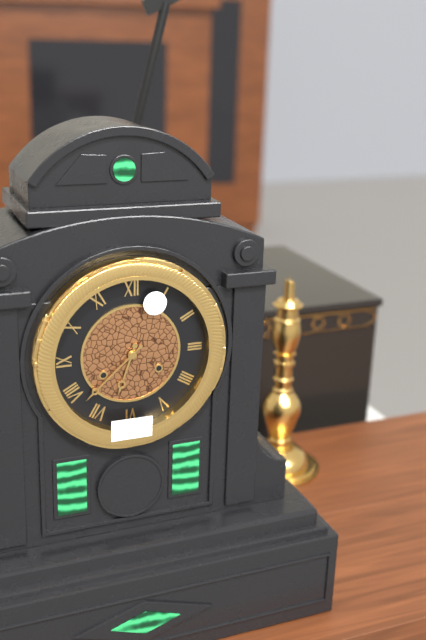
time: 6:38
